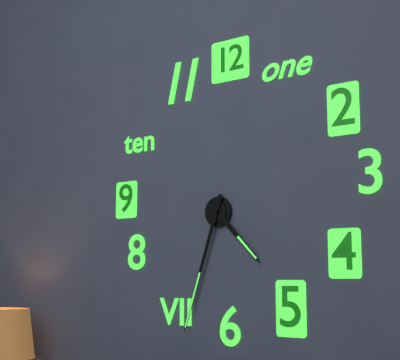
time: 4:33
